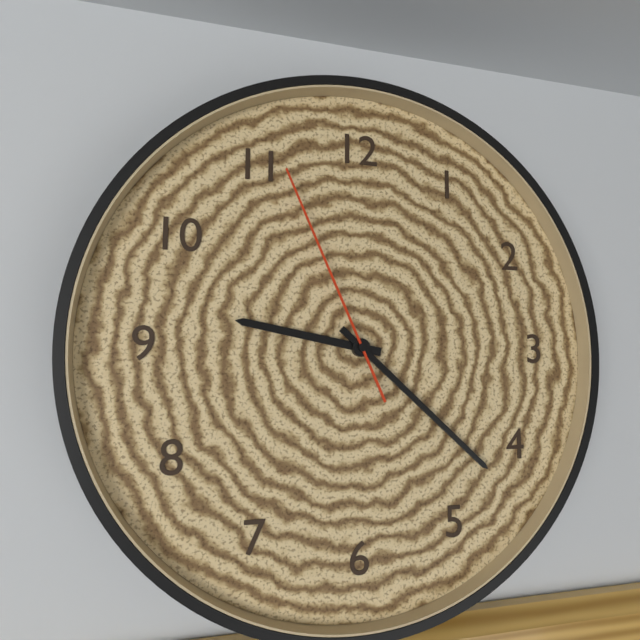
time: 9:22:56
